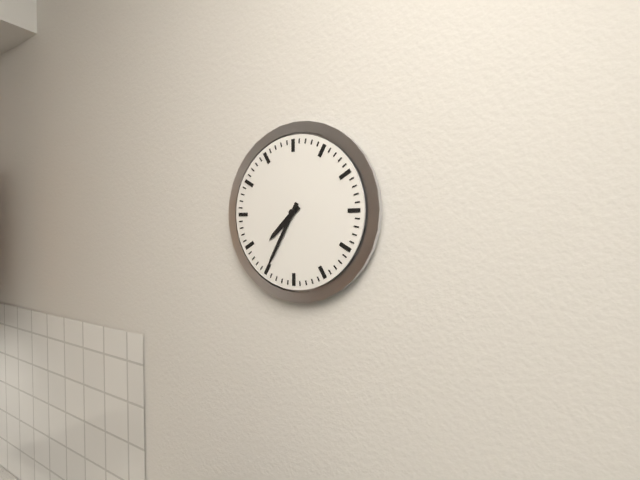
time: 7:35
